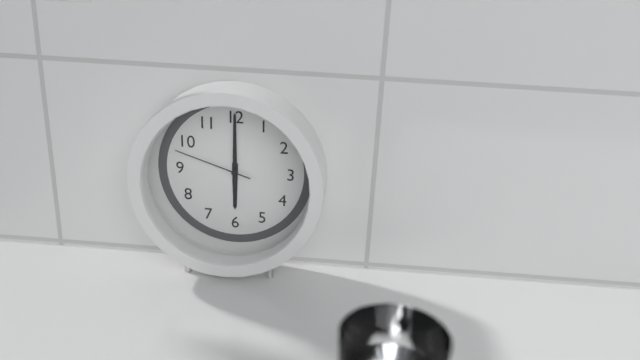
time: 6:00:48
